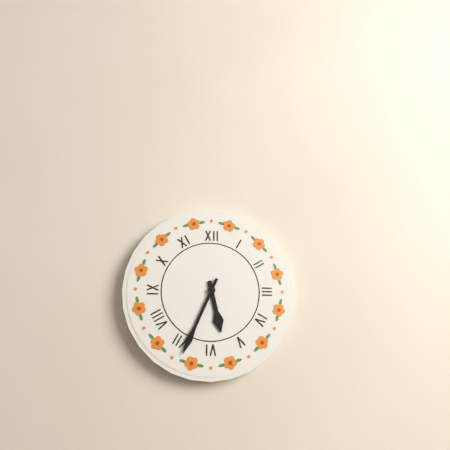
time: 5:34
